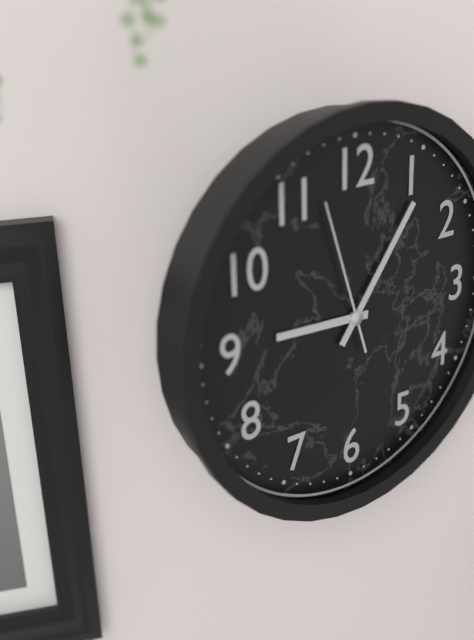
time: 9:06:57
